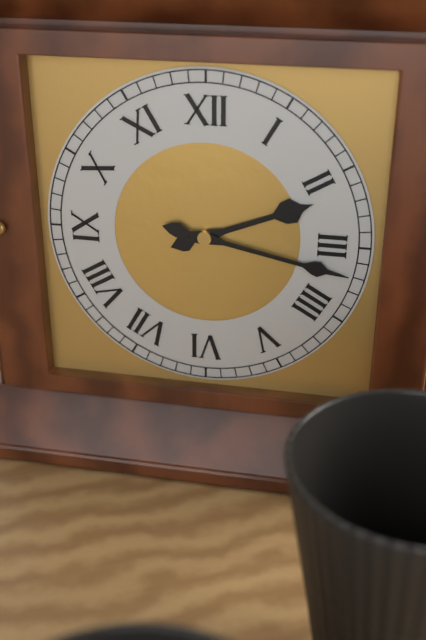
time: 2:17
